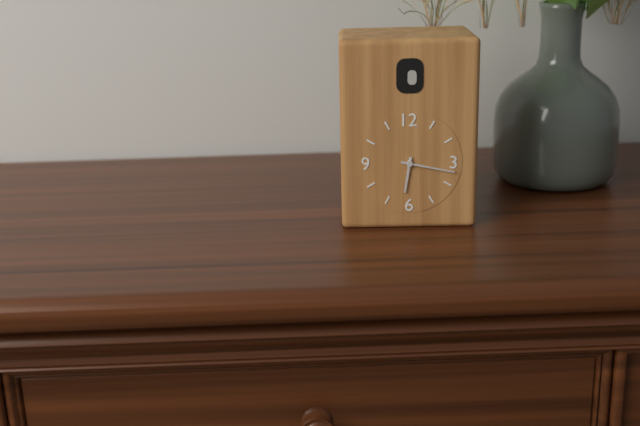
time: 6:17
